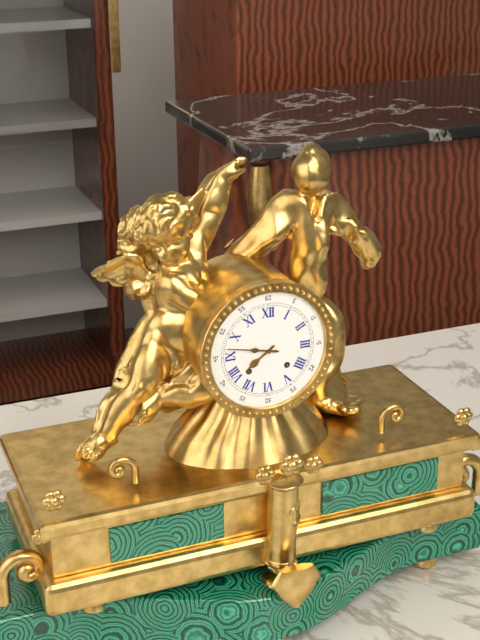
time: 7:47
